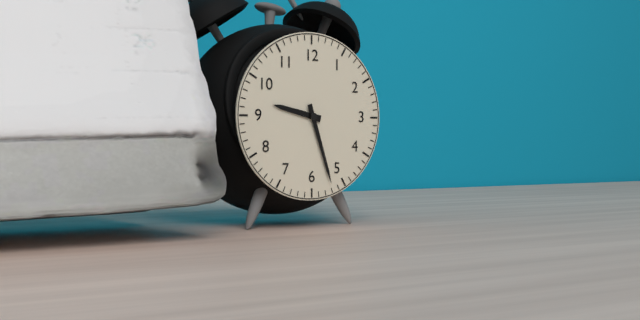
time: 9:27
